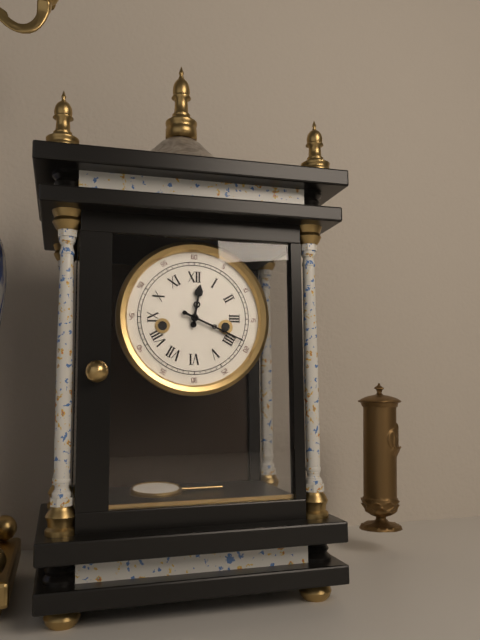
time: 12:19
